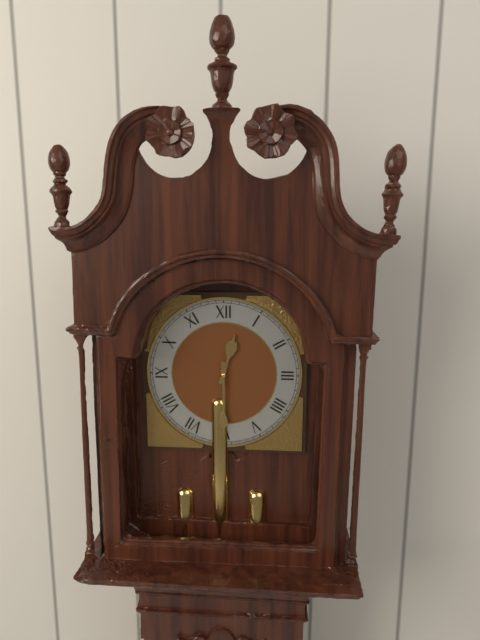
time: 12:30
